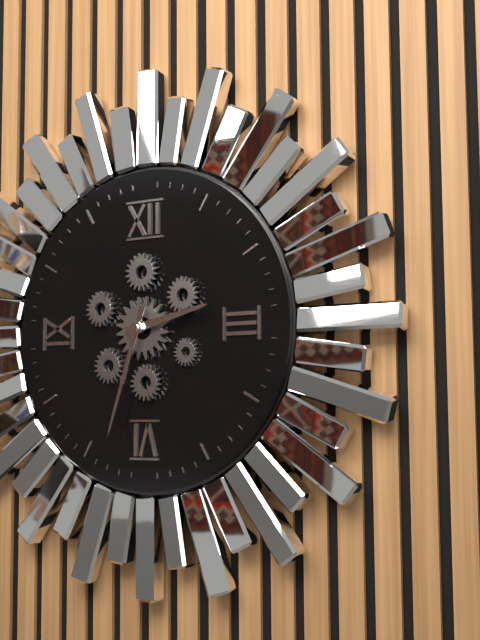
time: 2:33
